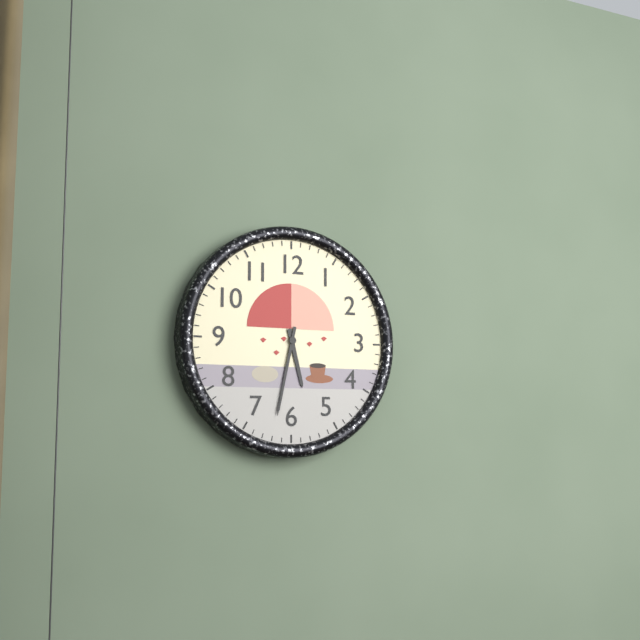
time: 5:32
